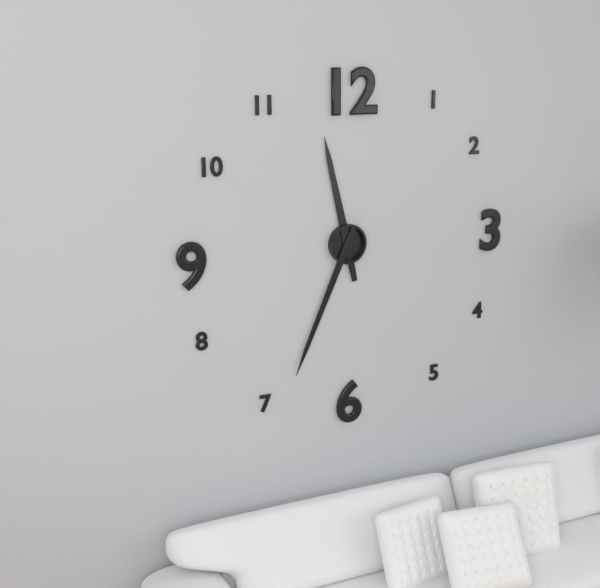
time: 11:34
